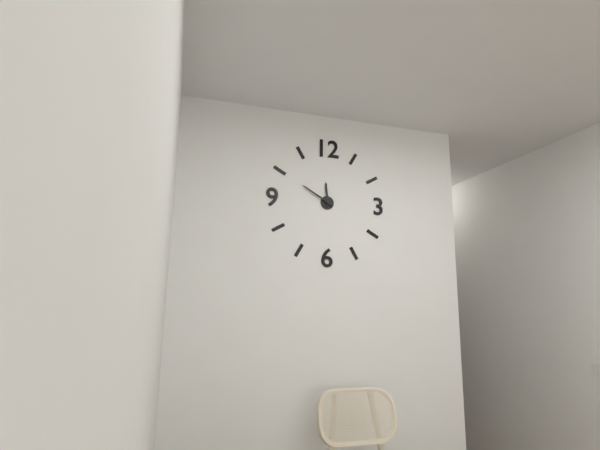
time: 11:50
